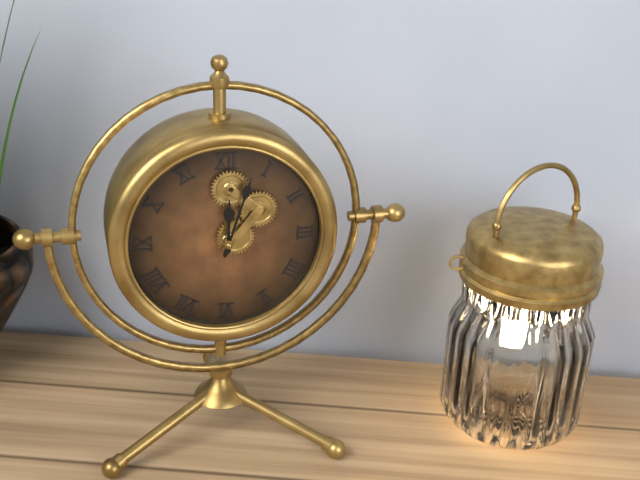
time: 12:03
